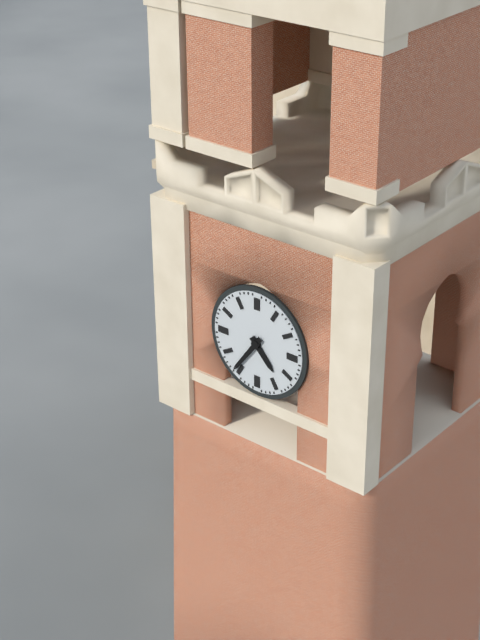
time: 4:36
